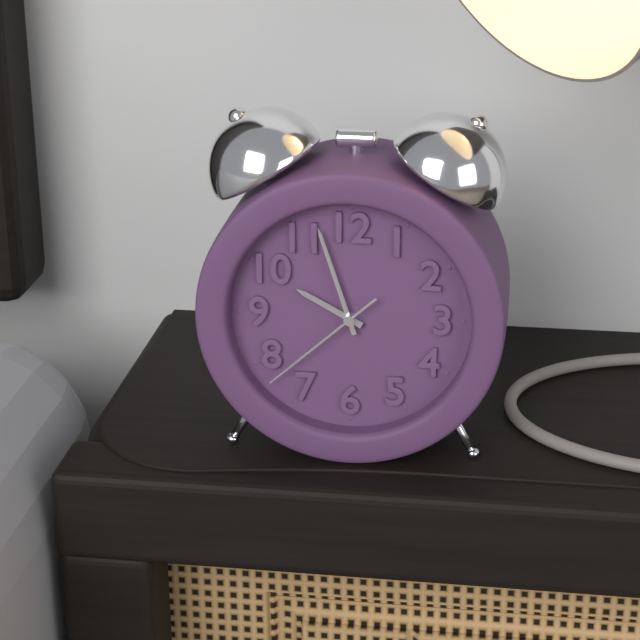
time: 9:57:38
